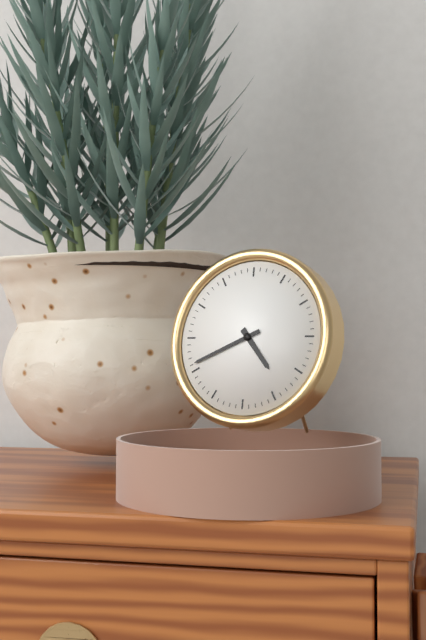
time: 4:41
